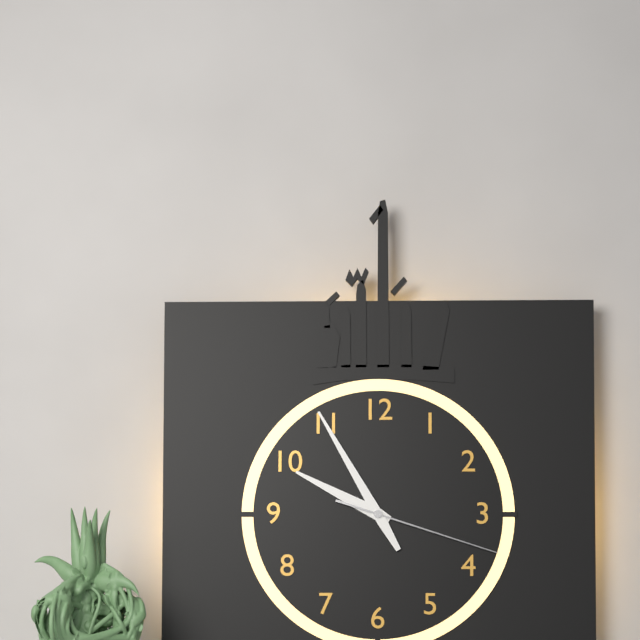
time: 9:55:18
